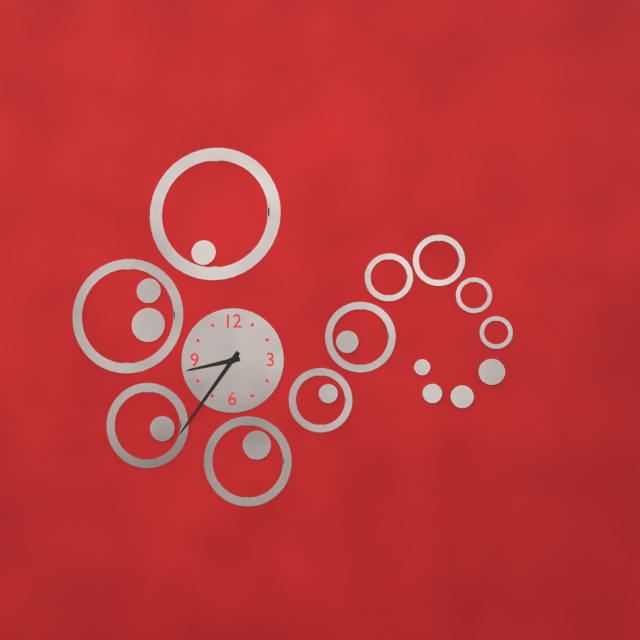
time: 8:36
